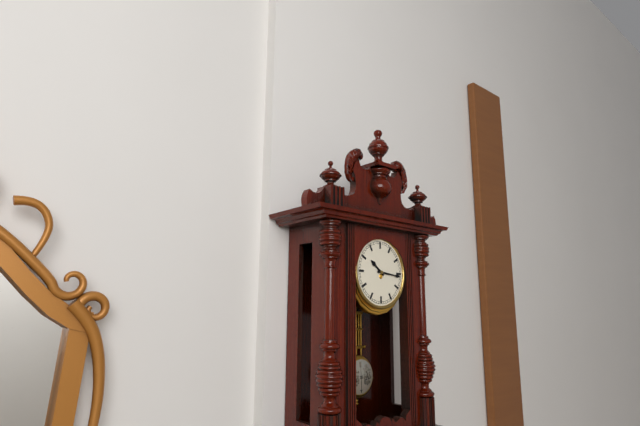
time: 10:16
